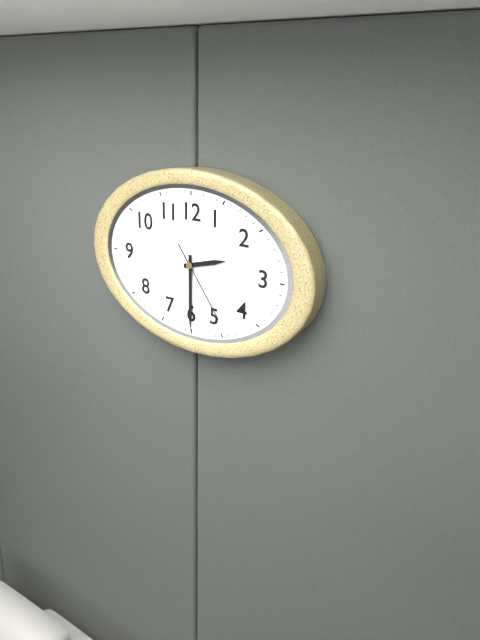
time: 2:30:24
